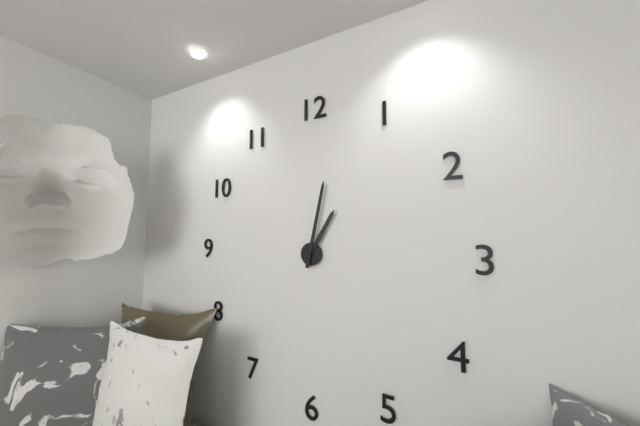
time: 1:02
